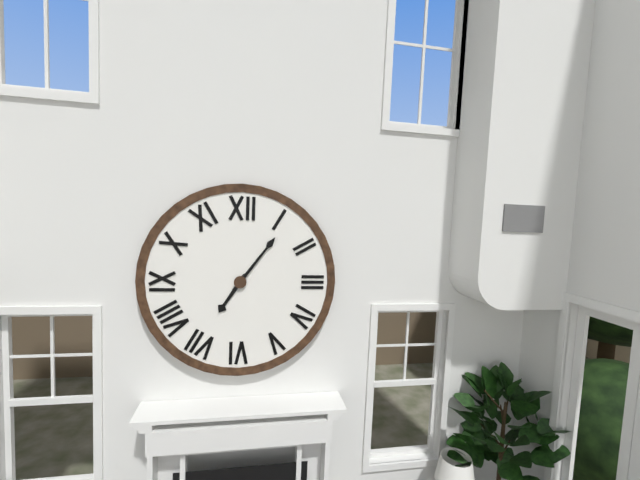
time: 7:06
